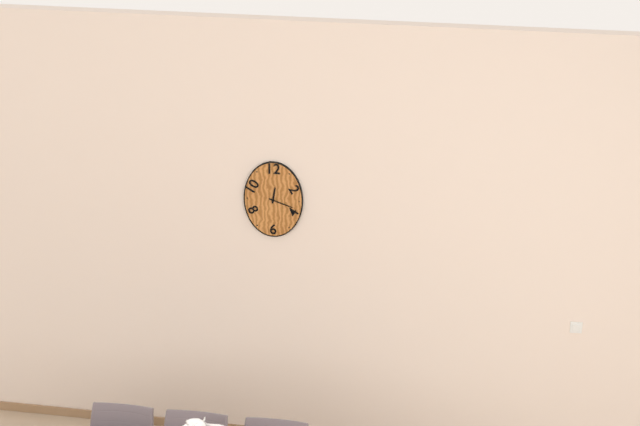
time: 12:18
